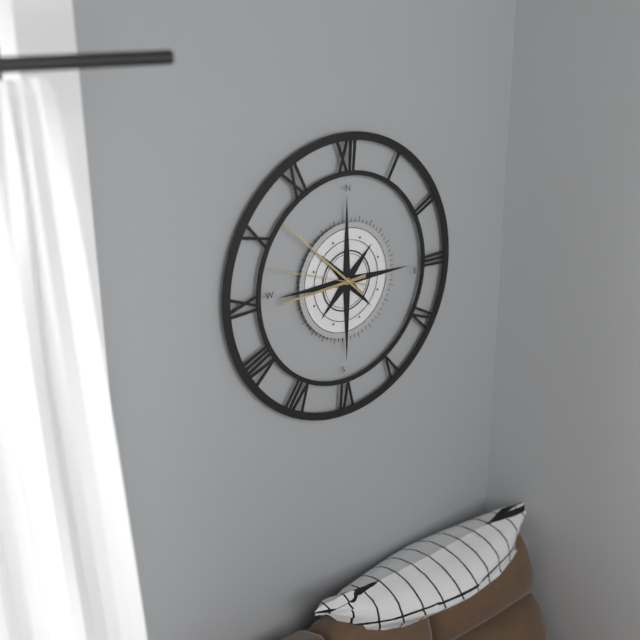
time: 8:52:48
